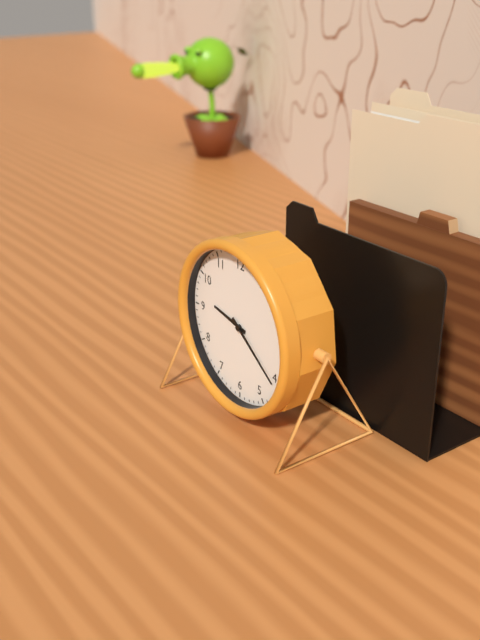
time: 9:21
